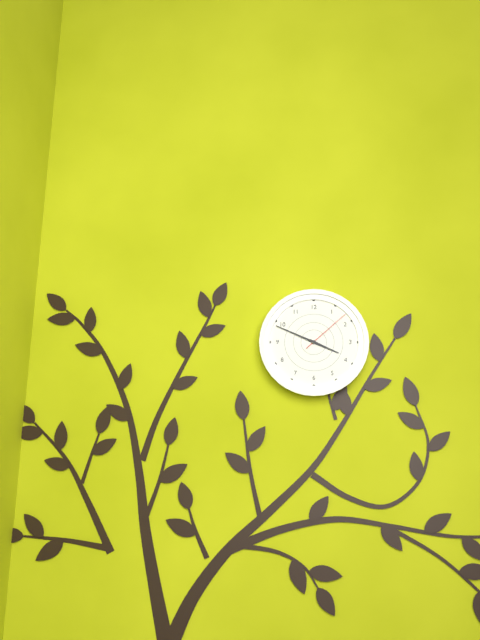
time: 3:49:08
